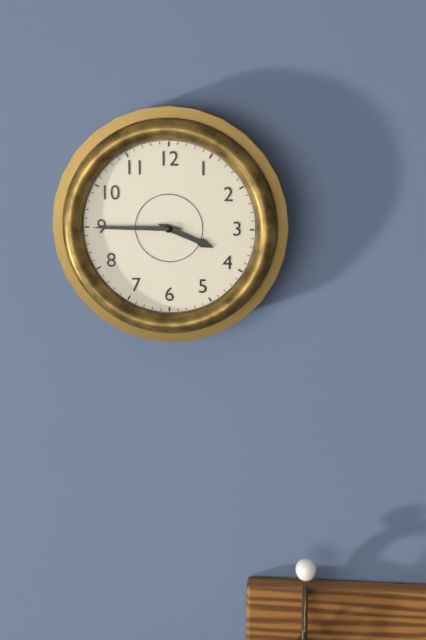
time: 3:45
